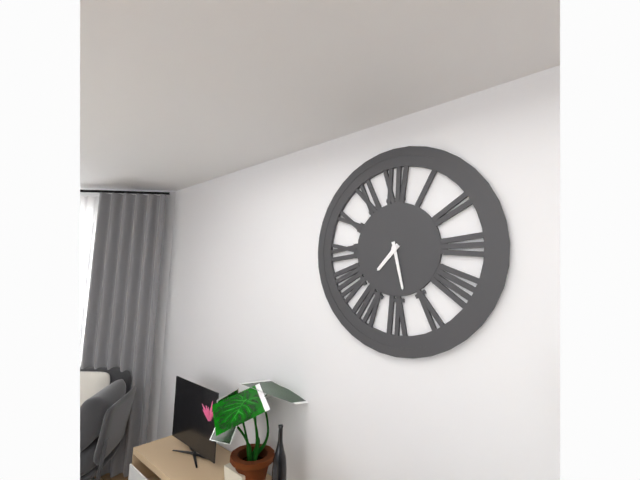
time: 7:28
